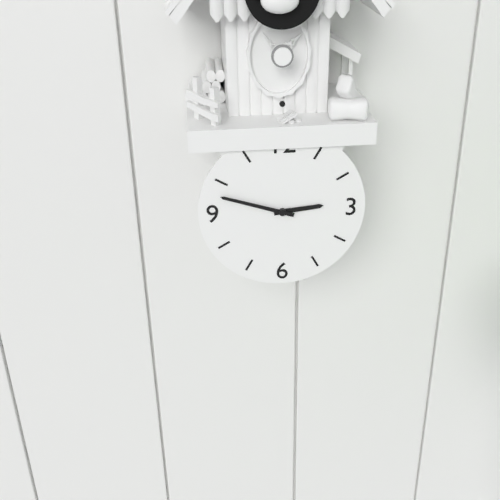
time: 2:48
